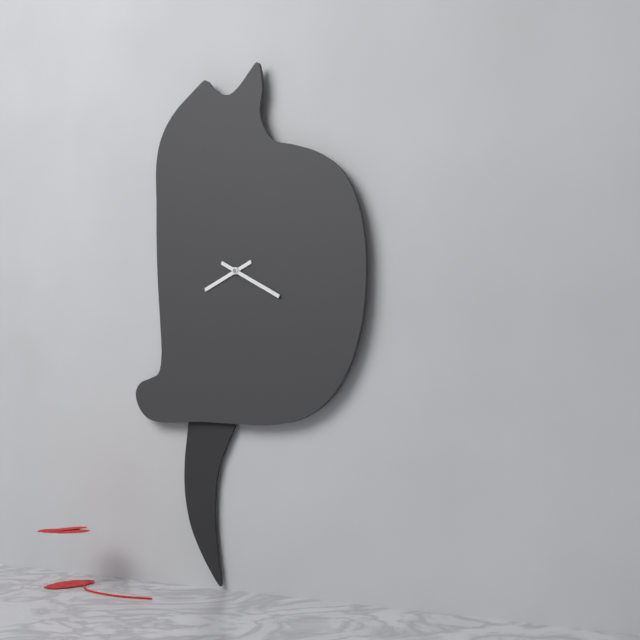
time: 8:20
